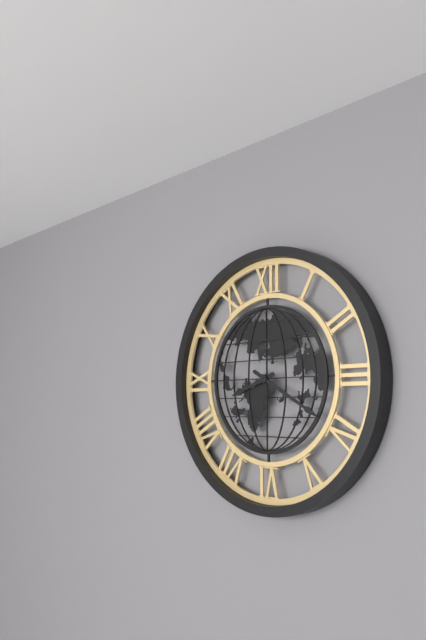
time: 8:20
